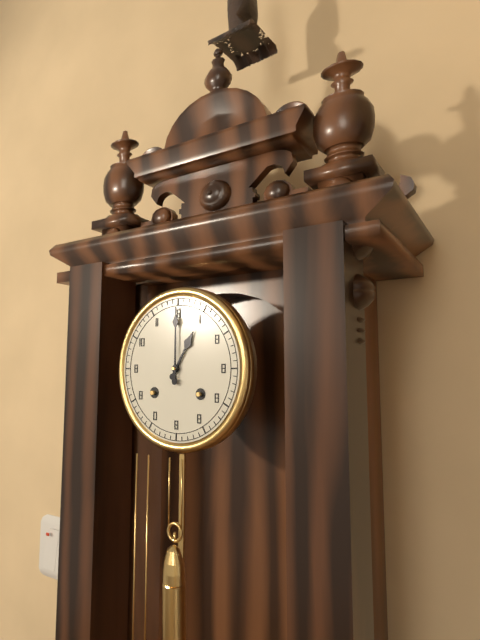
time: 1:00
